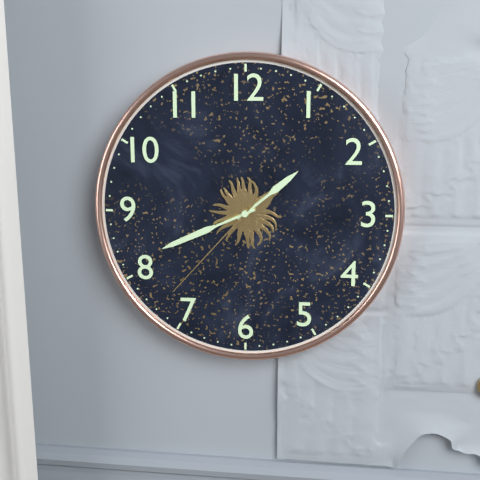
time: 1:41:37
